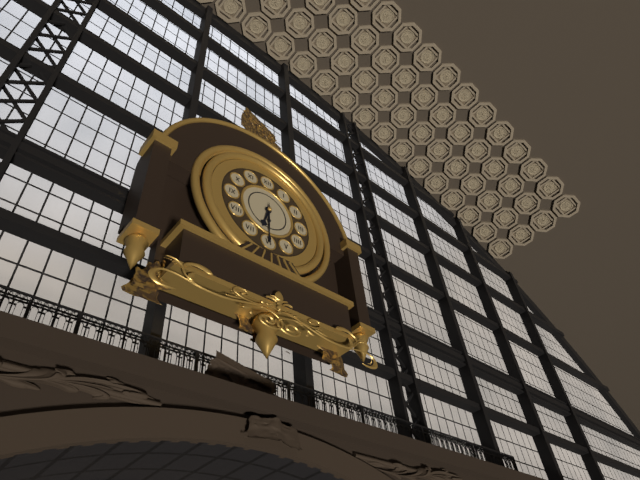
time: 6:30
